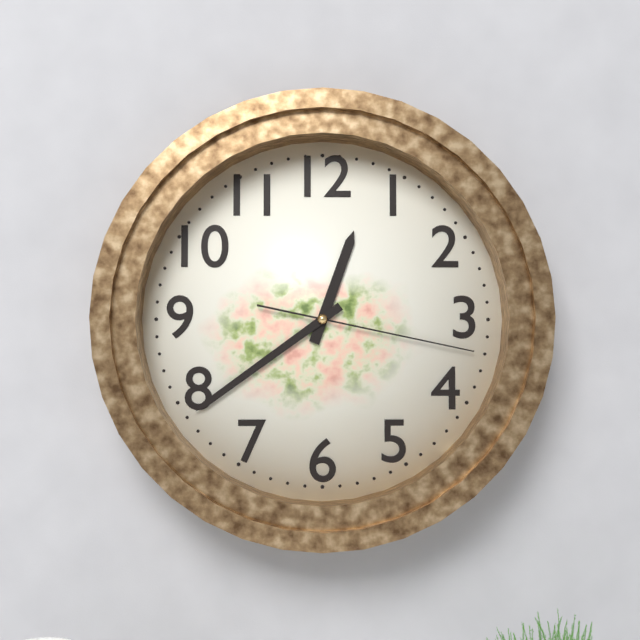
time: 12:39:17
